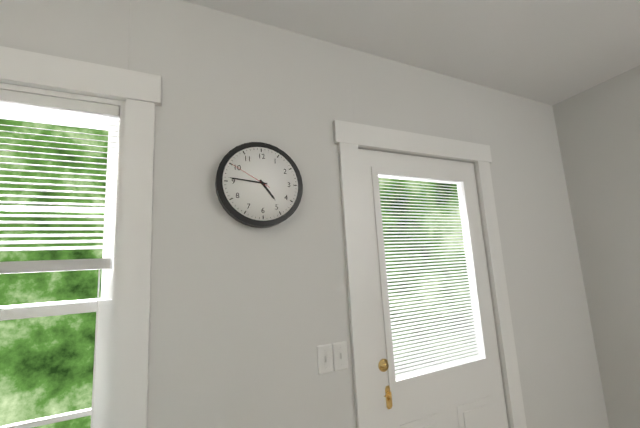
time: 4:46
